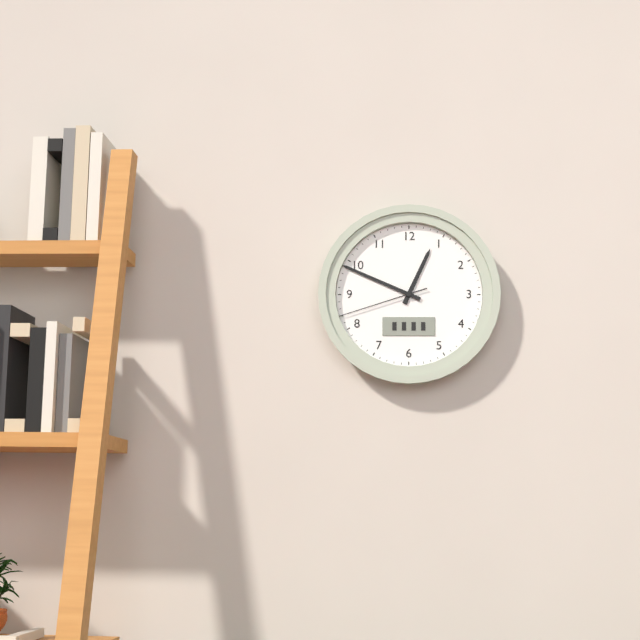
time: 12:49:42
